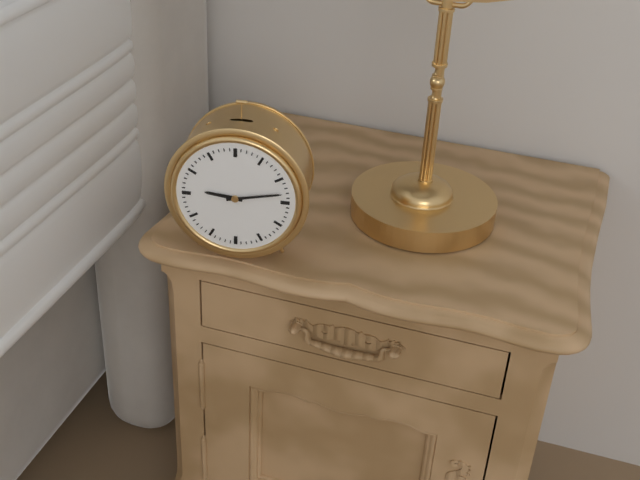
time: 9:13
